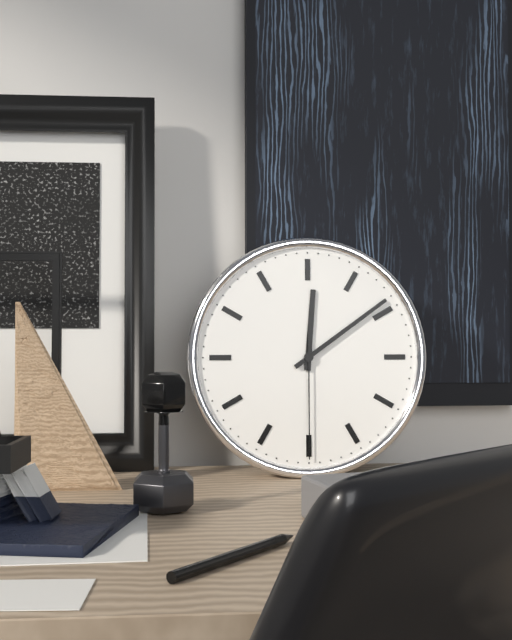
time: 12:09:30
